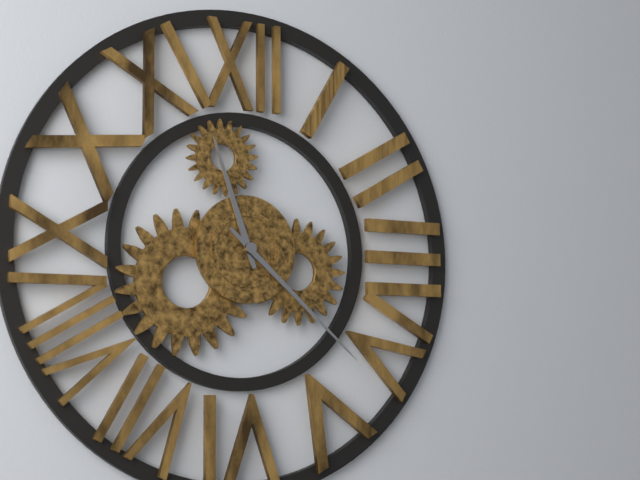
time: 11:22
